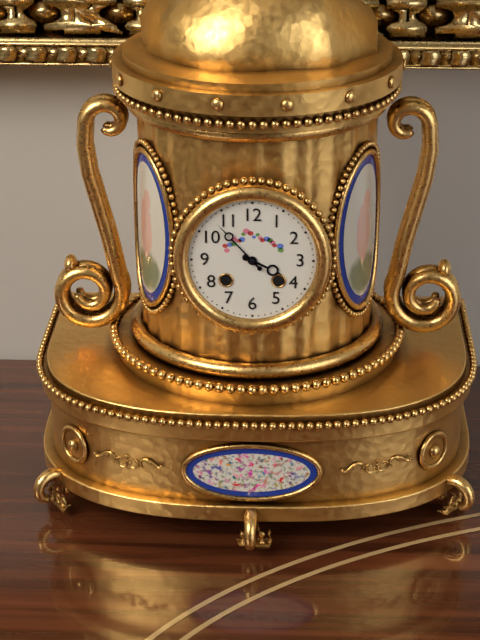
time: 3:53
